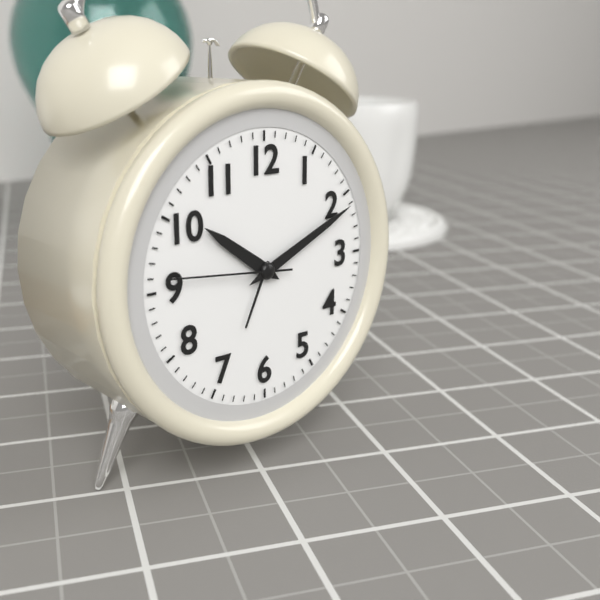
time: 10:11:46
